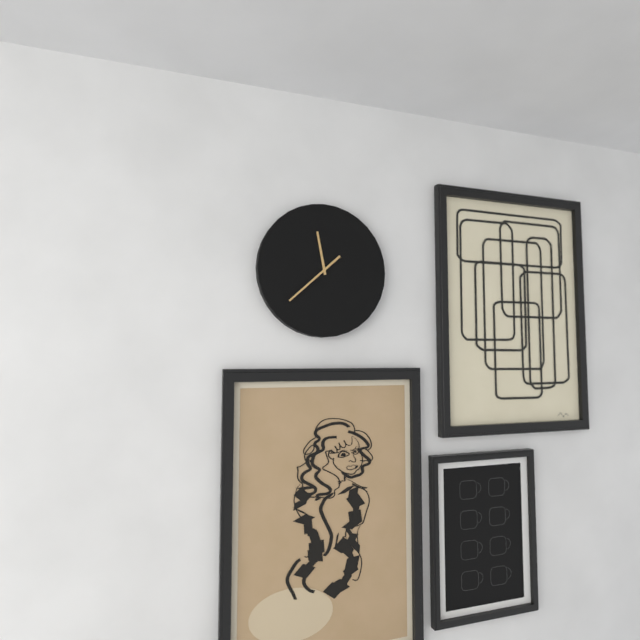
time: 11:38
